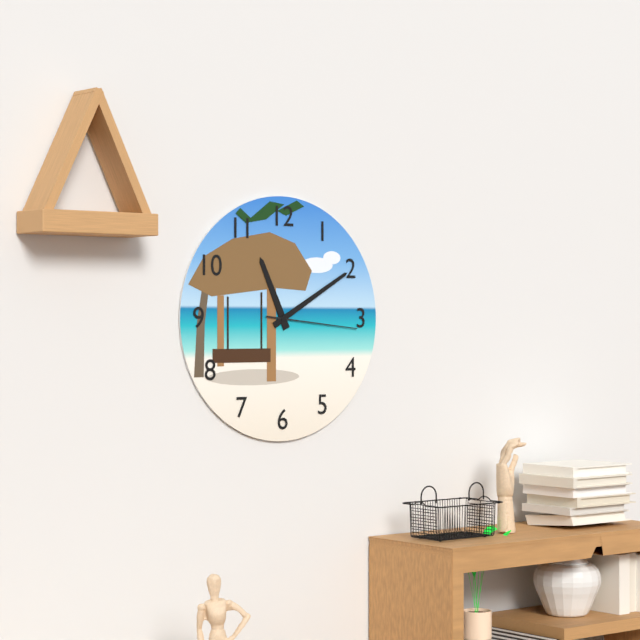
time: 11:10:16
